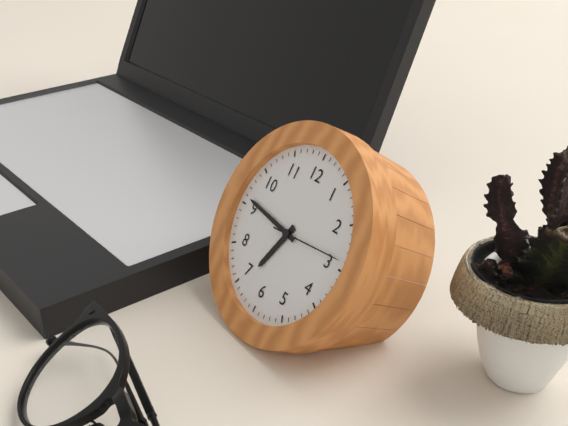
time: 6:46:14
